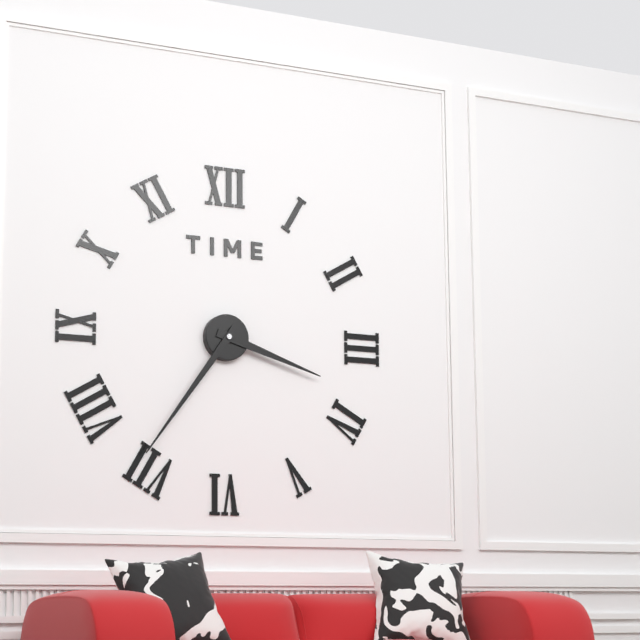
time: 3:36
